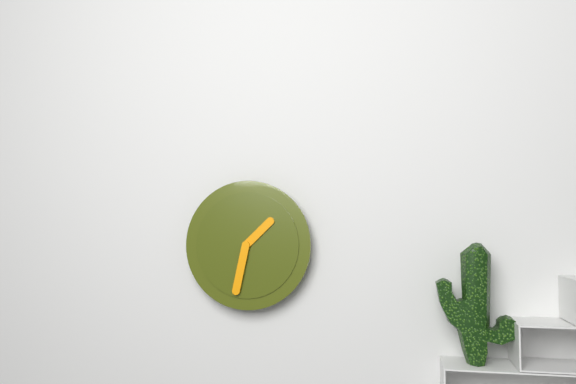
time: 1:32
